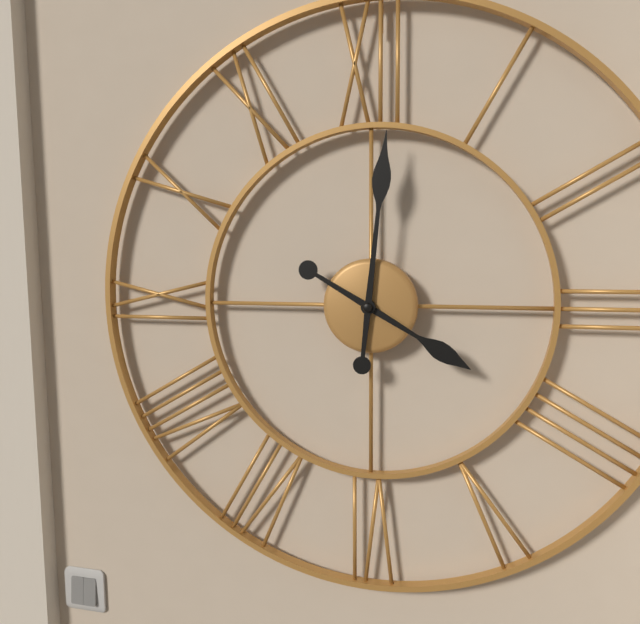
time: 4:01
